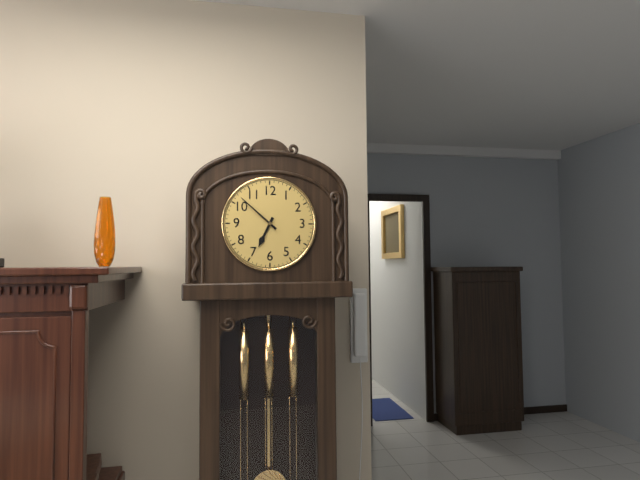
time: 6:52
